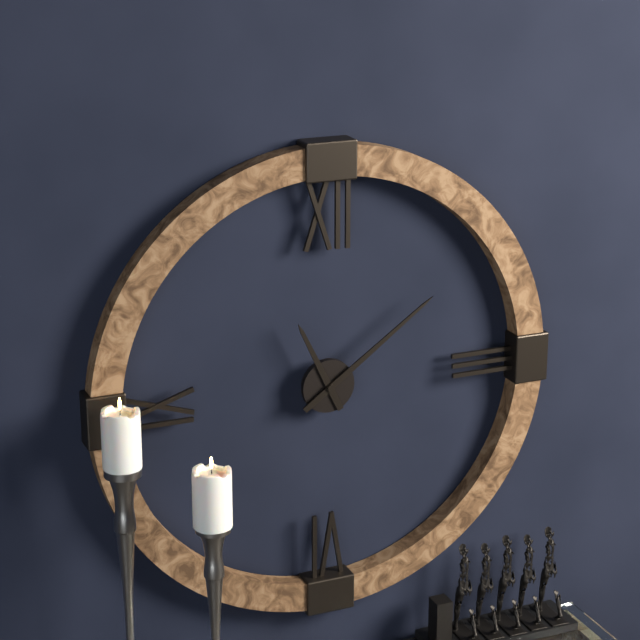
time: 11:09
